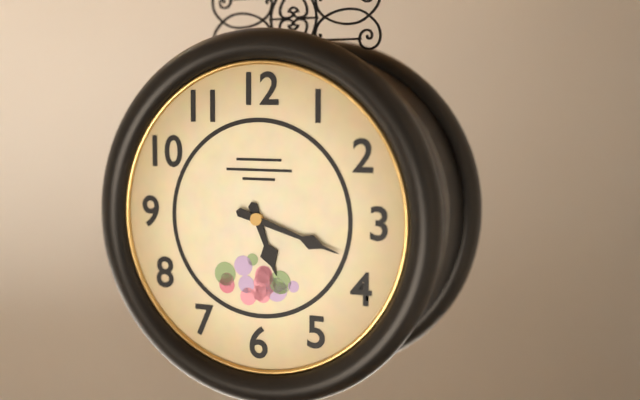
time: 5:18
